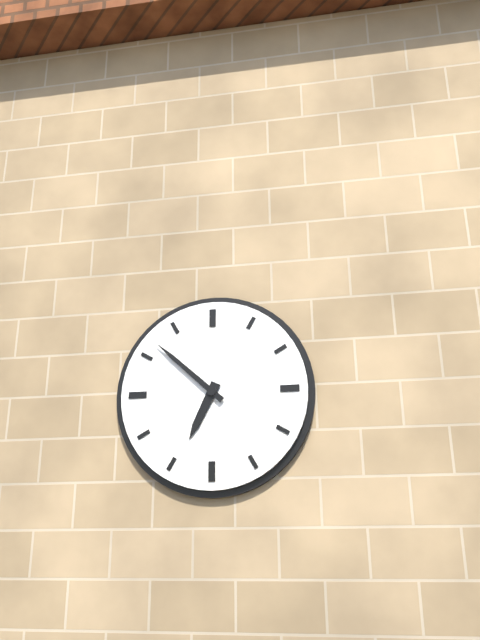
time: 6:52
